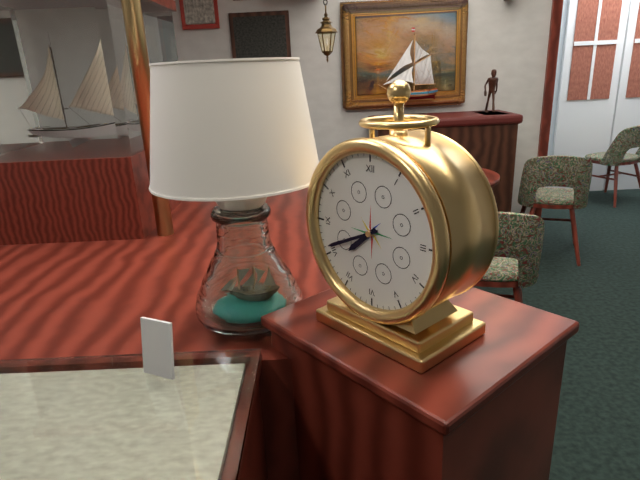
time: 7:41
